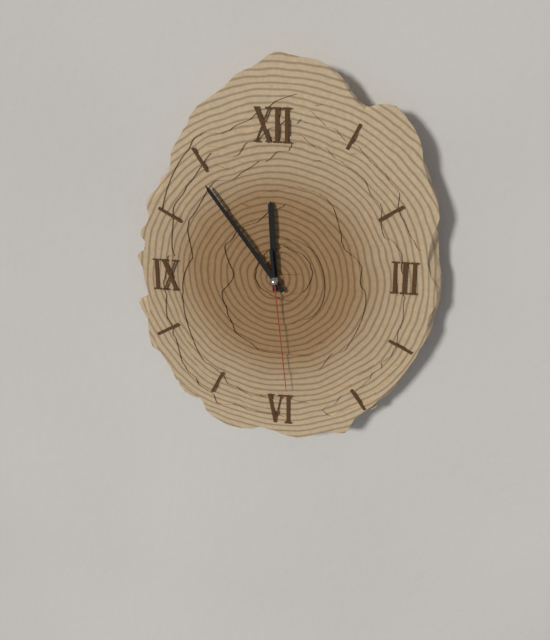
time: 11:54:29
